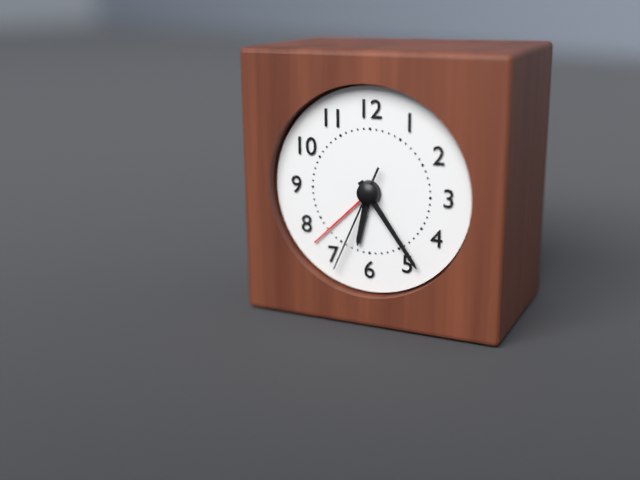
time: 6:24:34
